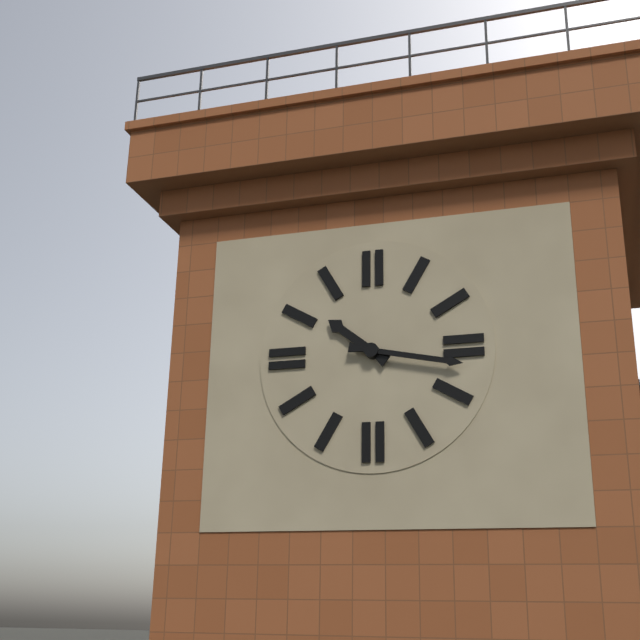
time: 10:17
